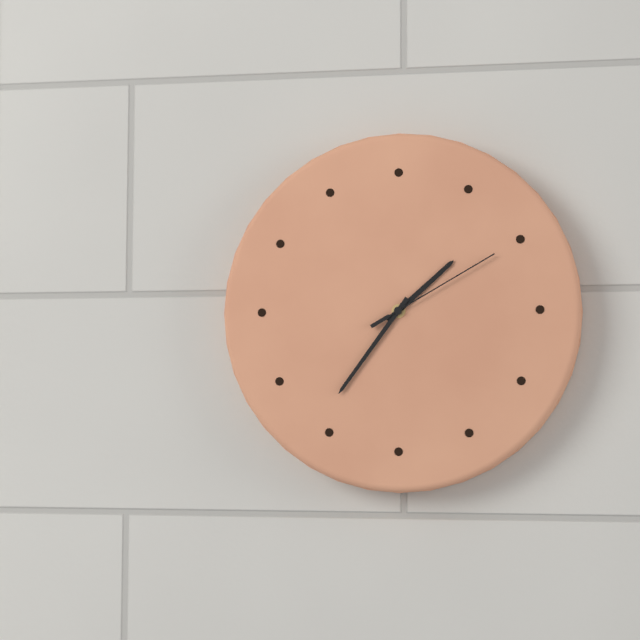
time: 1:36:10
